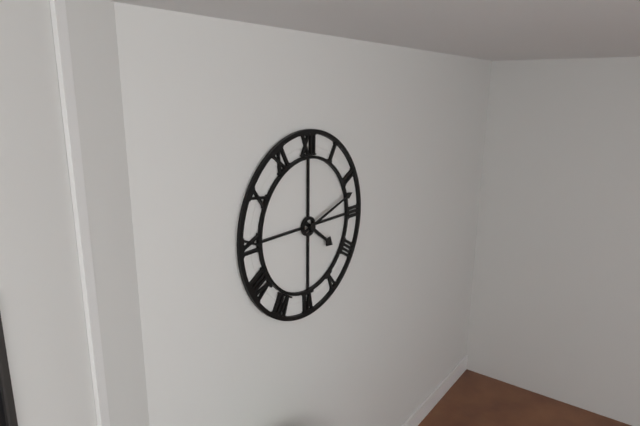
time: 4:12
